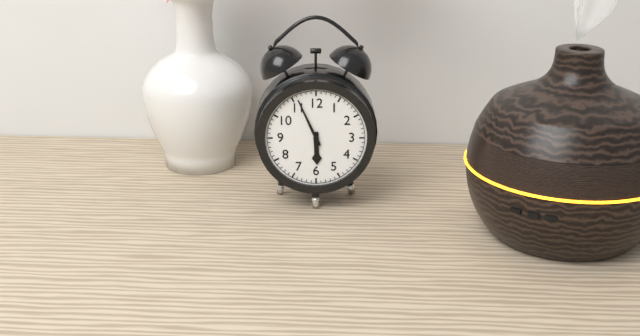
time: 5:56
